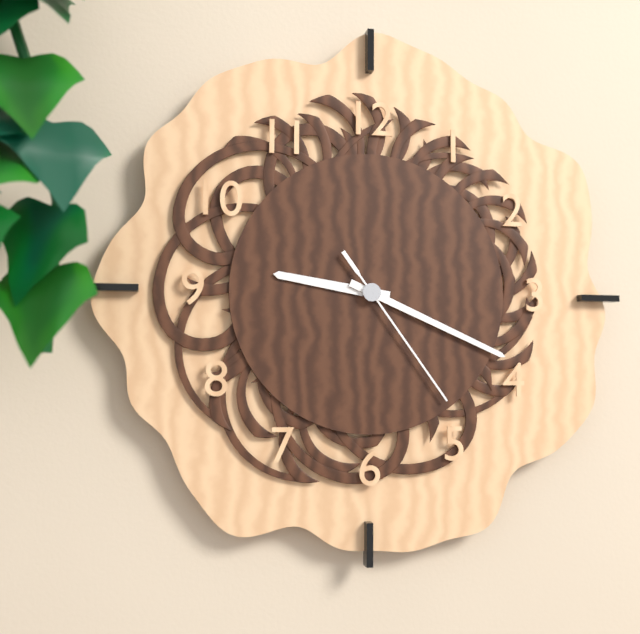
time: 9:19:24
